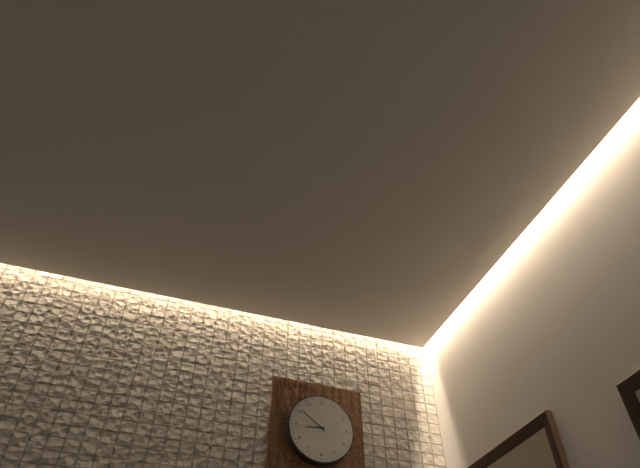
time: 8:51
